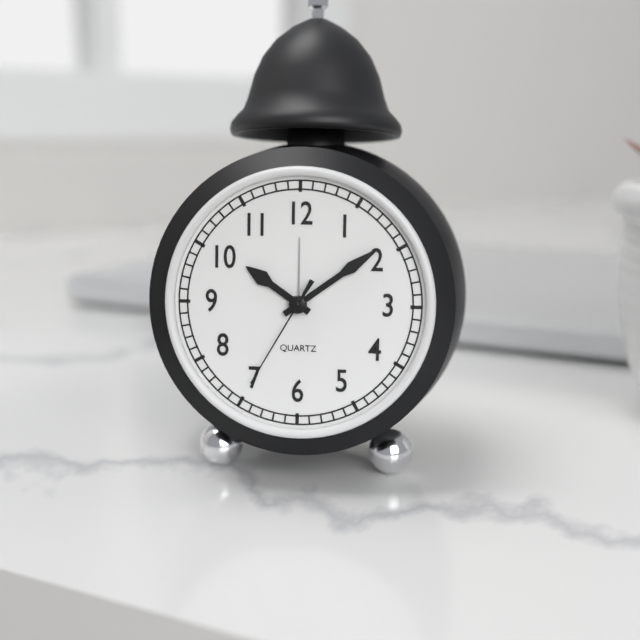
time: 10:09:35
